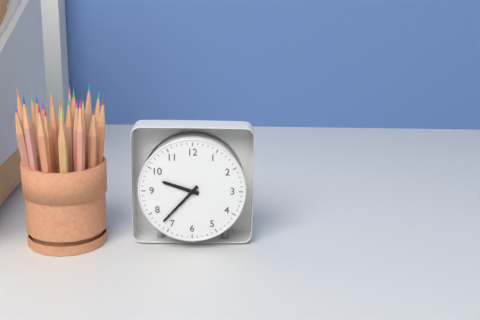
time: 9:37
